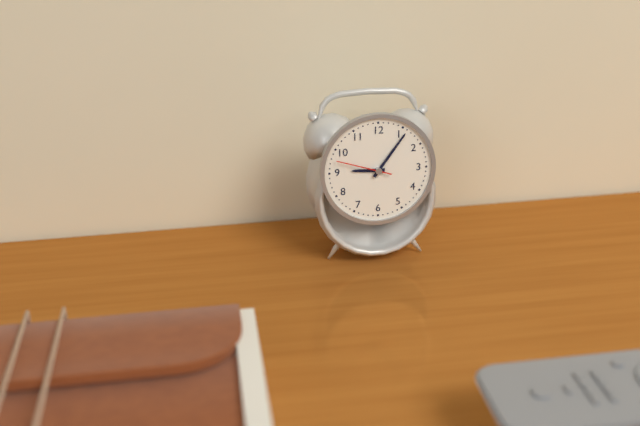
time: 9:06:48
